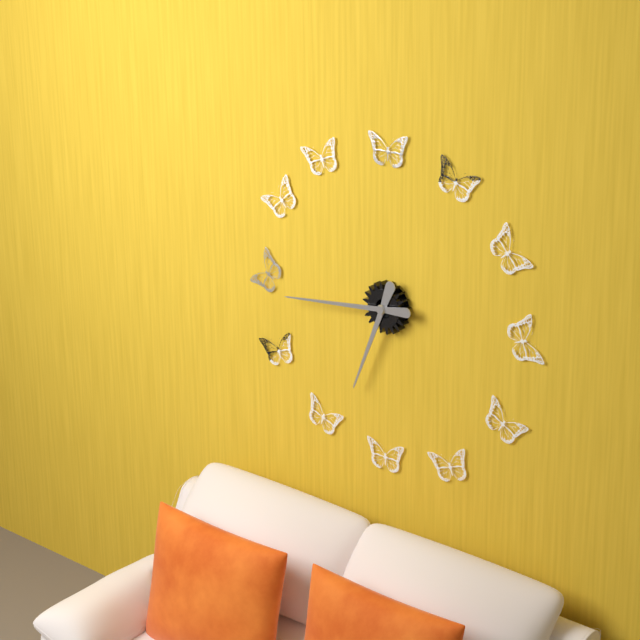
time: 6:44
